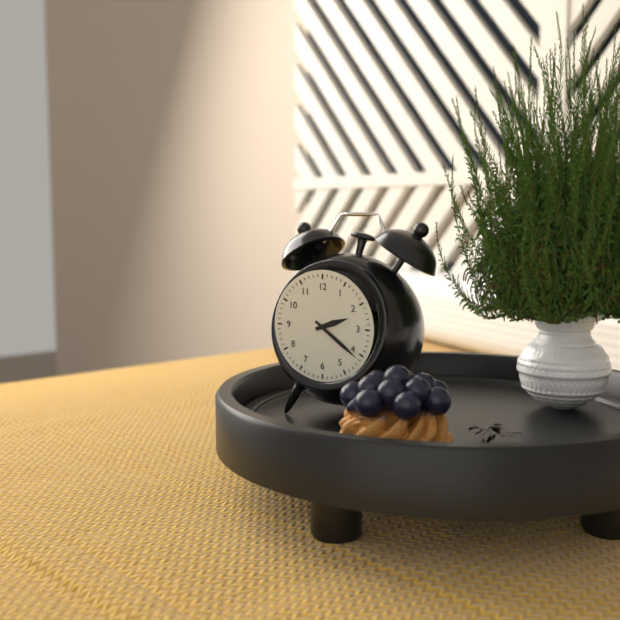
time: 2:21
